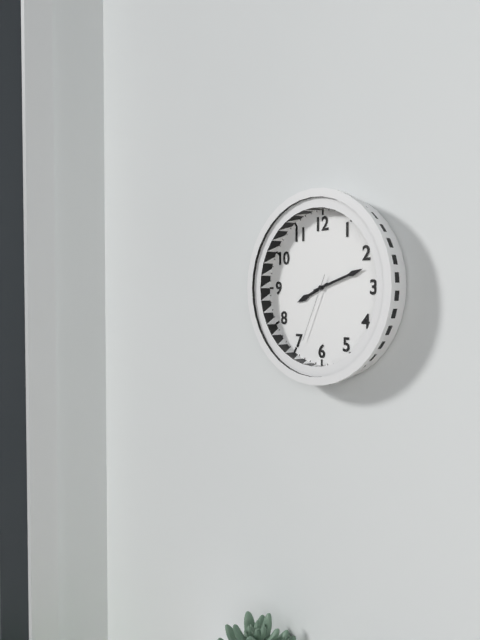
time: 8:12:34
